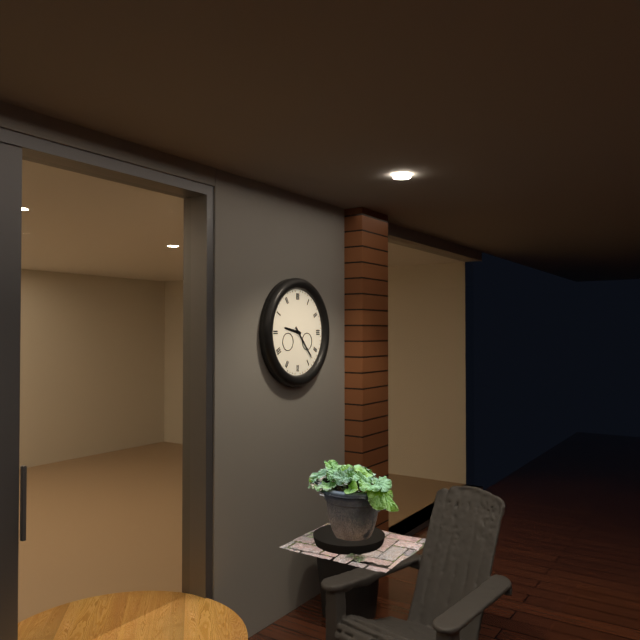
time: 9:23
